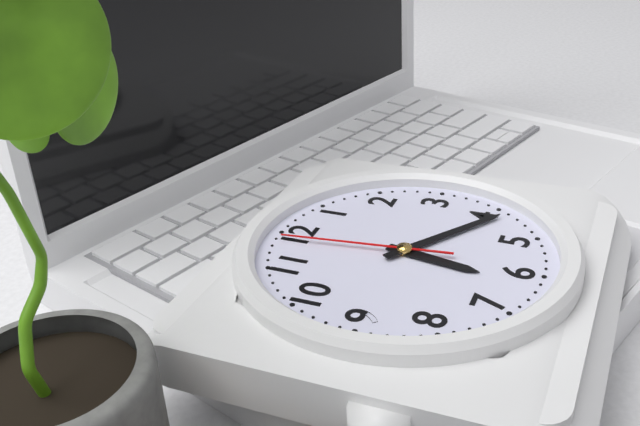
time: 6:21:59
